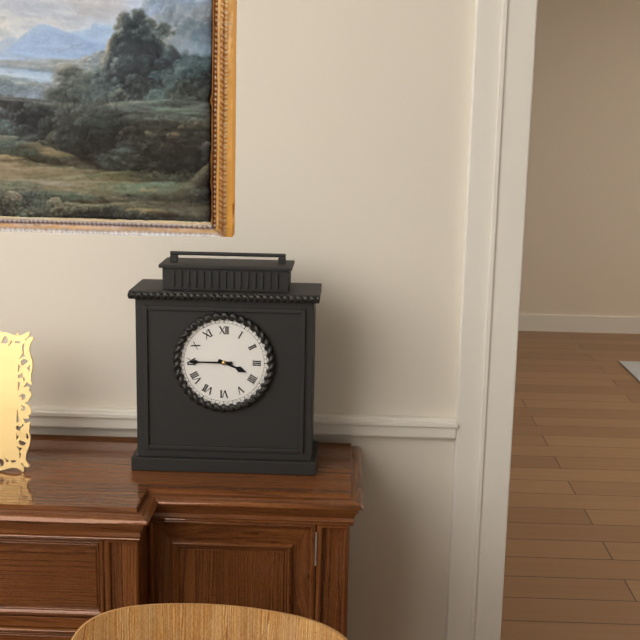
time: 3:45
